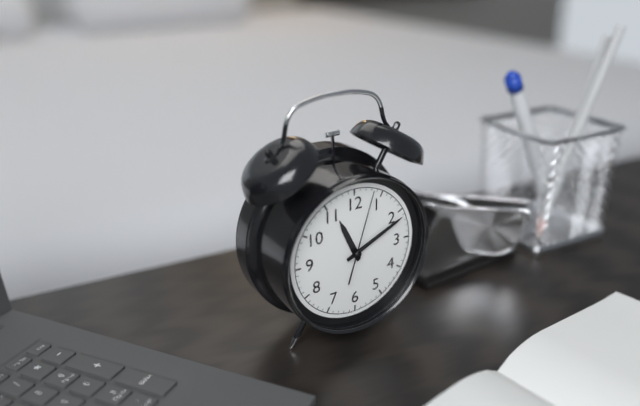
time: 11:11:03
